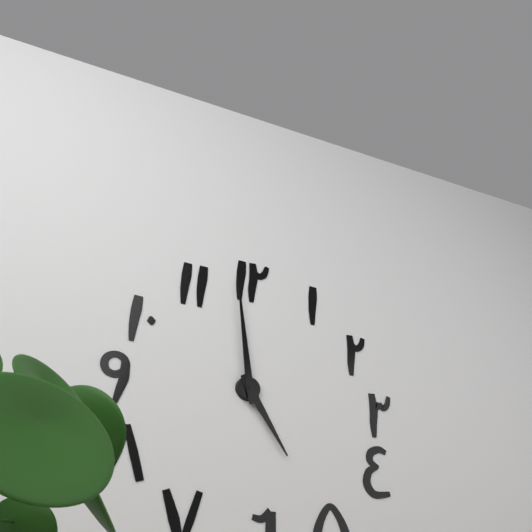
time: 4:59
